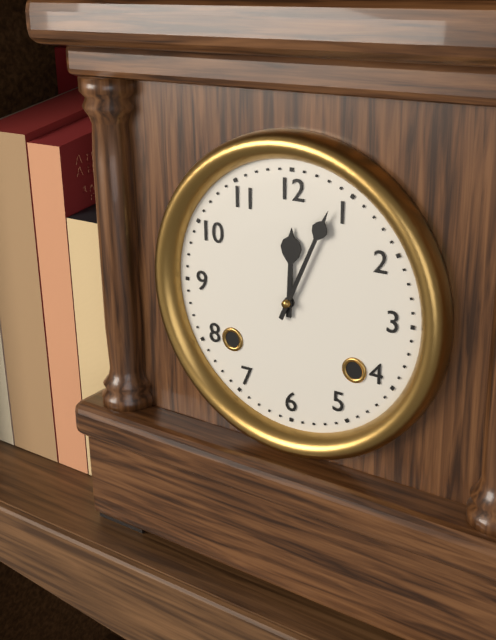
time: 12:04
